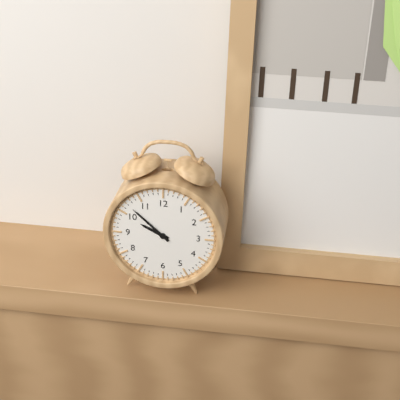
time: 9:52
